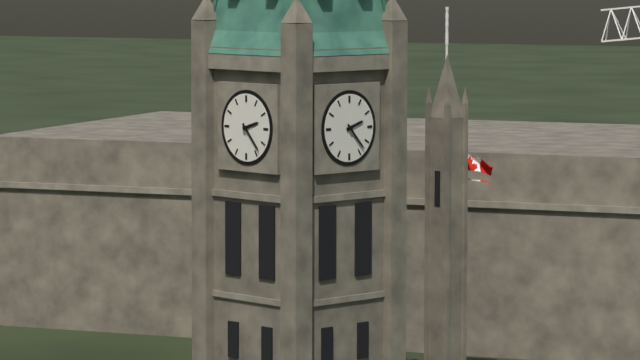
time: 2:23
